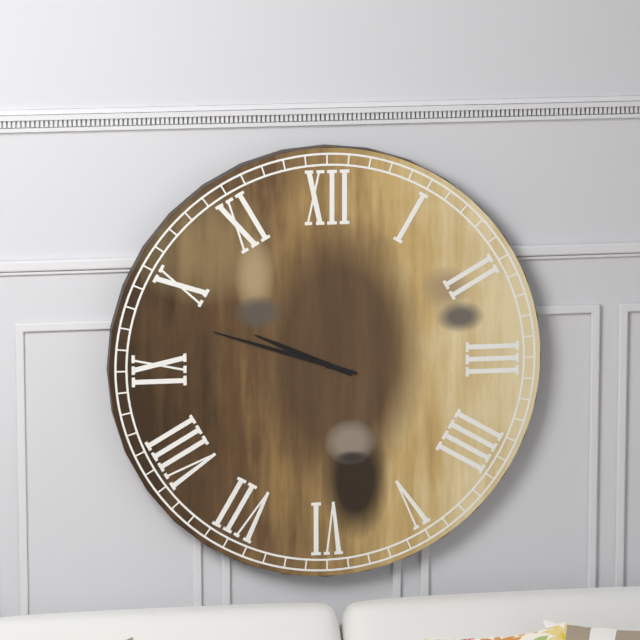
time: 9:48
